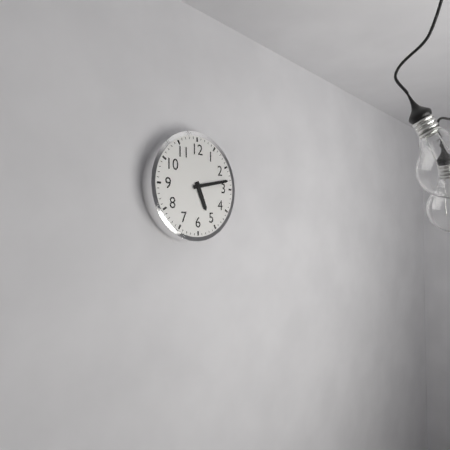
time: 5:13
